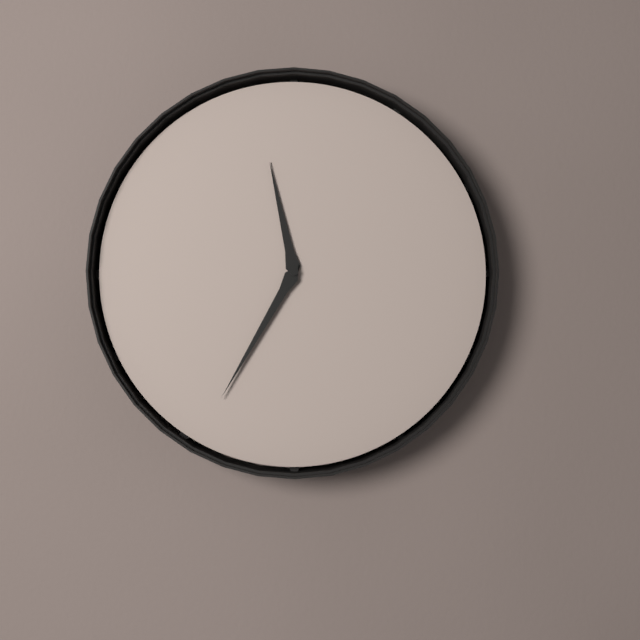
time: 11:35
